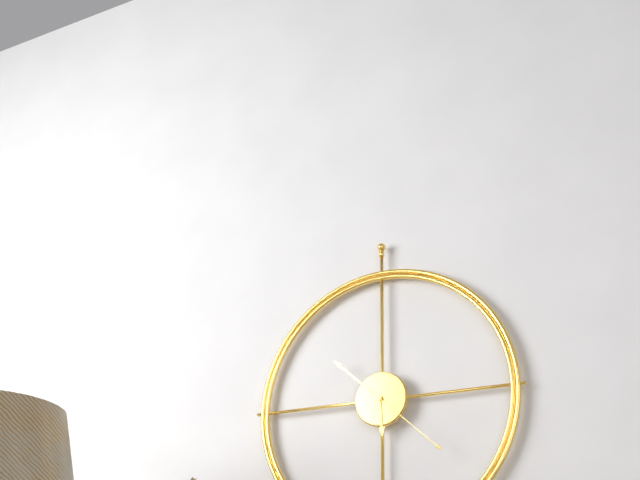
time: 5:52:22
